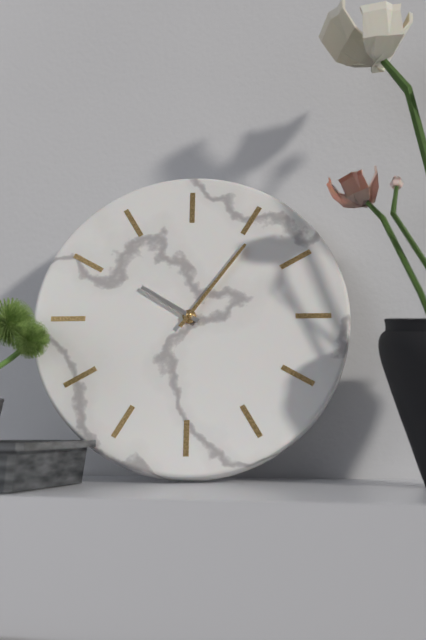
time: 10:06
